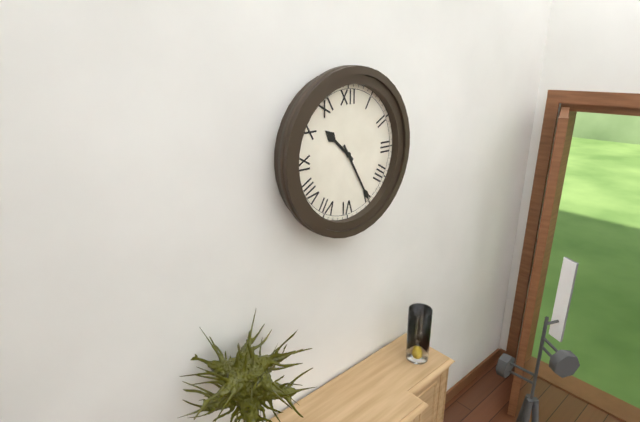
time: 10:25
